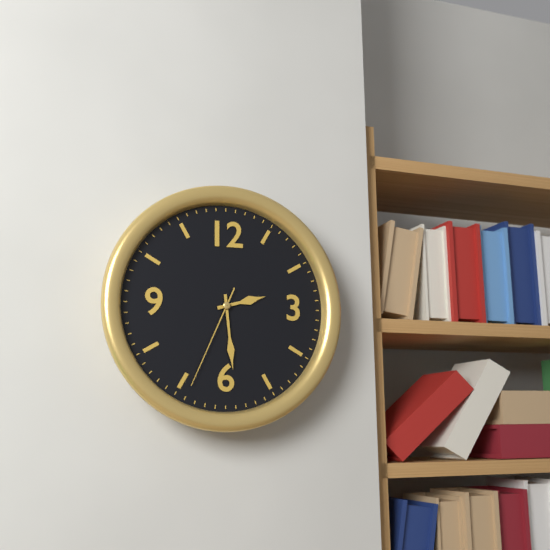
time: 2:29:34
